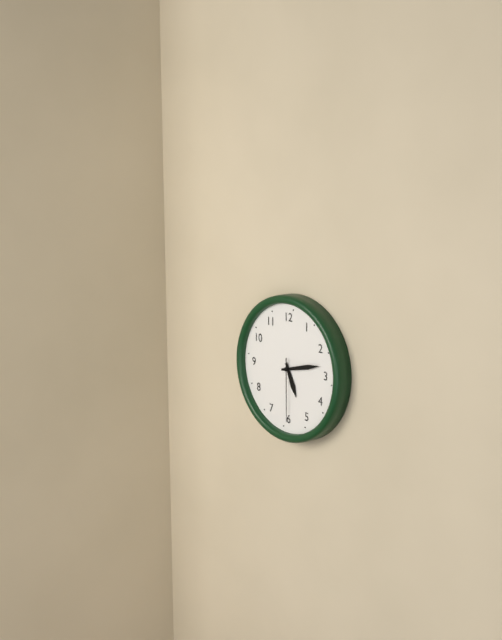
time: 5:13:30
